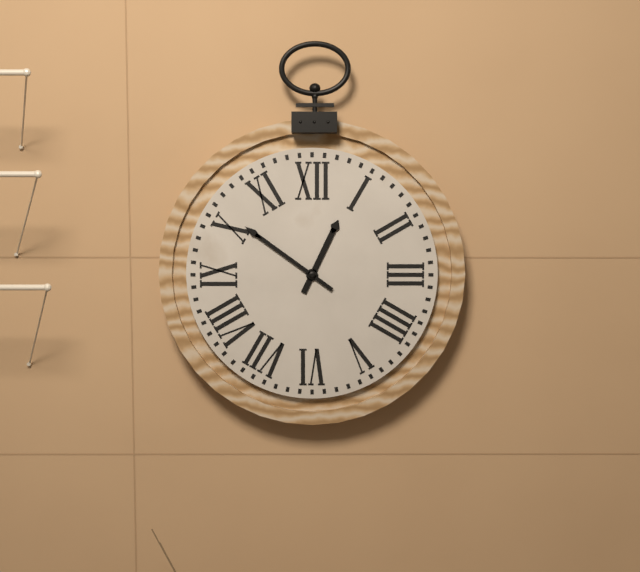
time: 12:51
